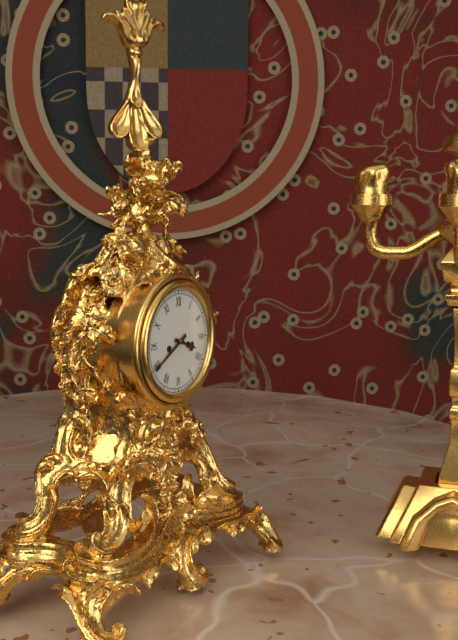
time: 3:40
